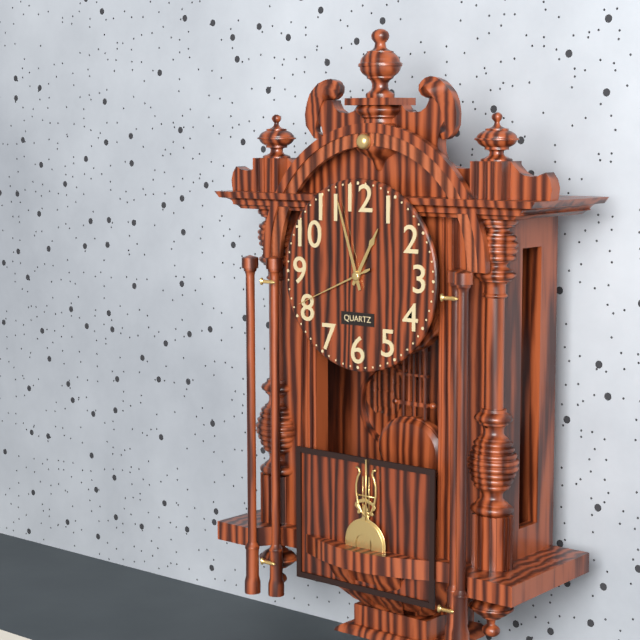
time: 12:57:41
